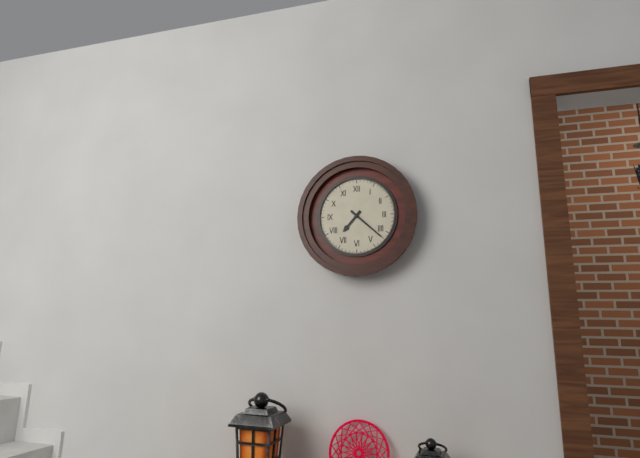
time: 7:22
